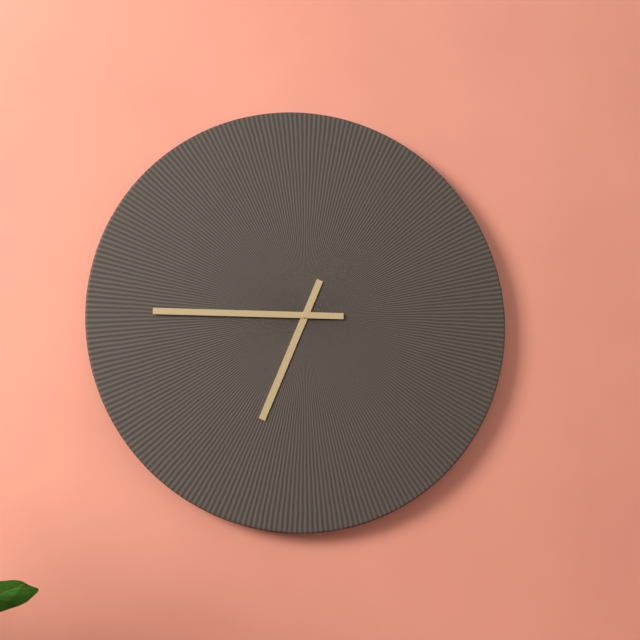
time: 6:45
